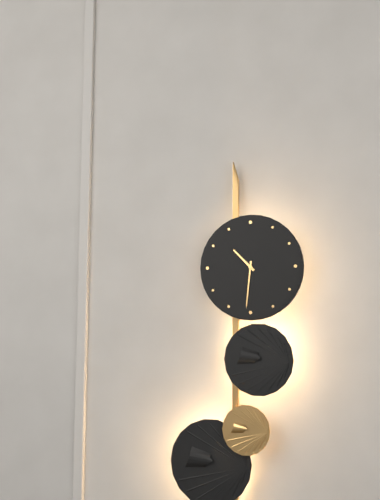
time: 10:31
